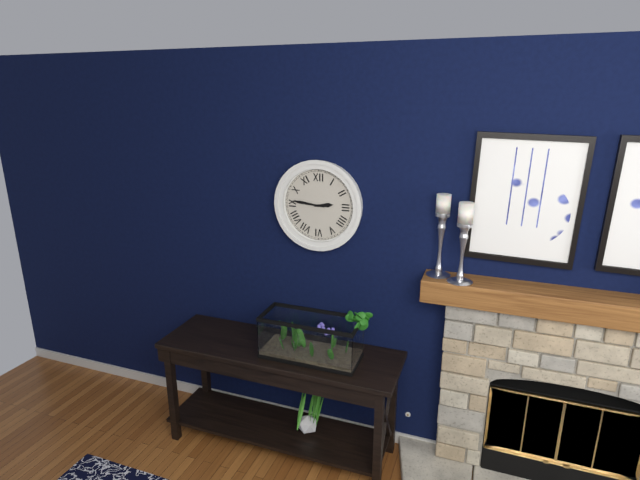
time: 2:46
